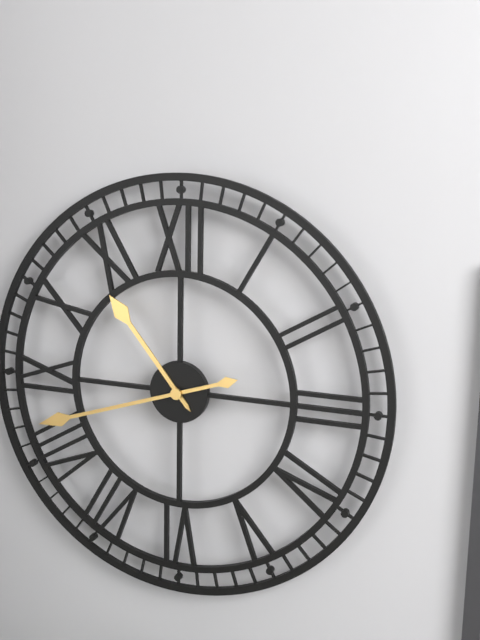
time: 10:42
